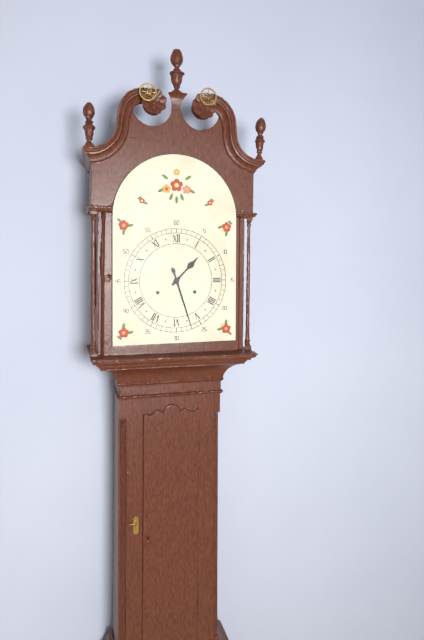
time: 1:27
